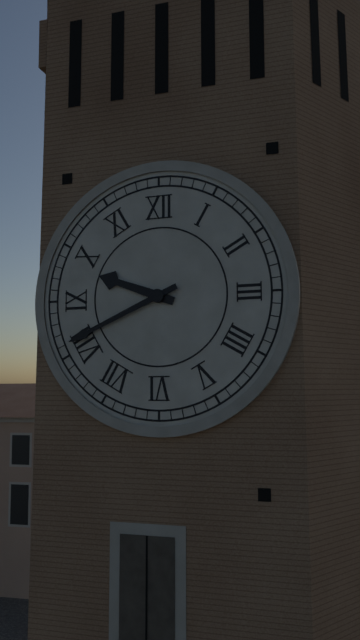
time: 9:41
